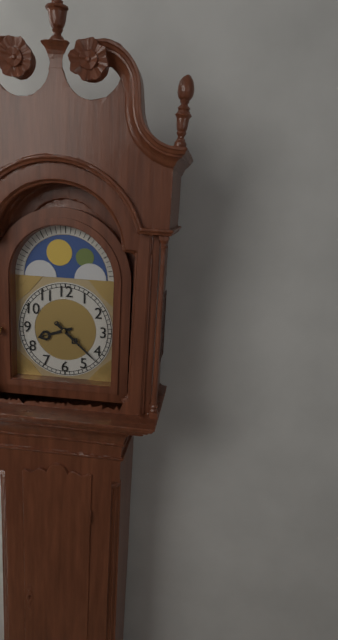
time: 8:22
